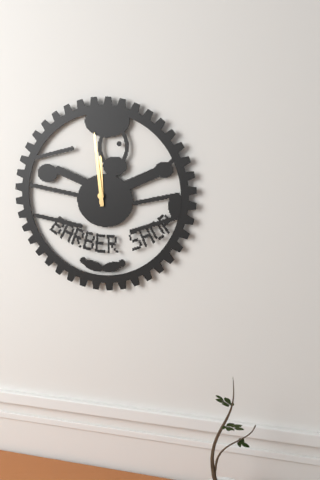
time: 11:59
